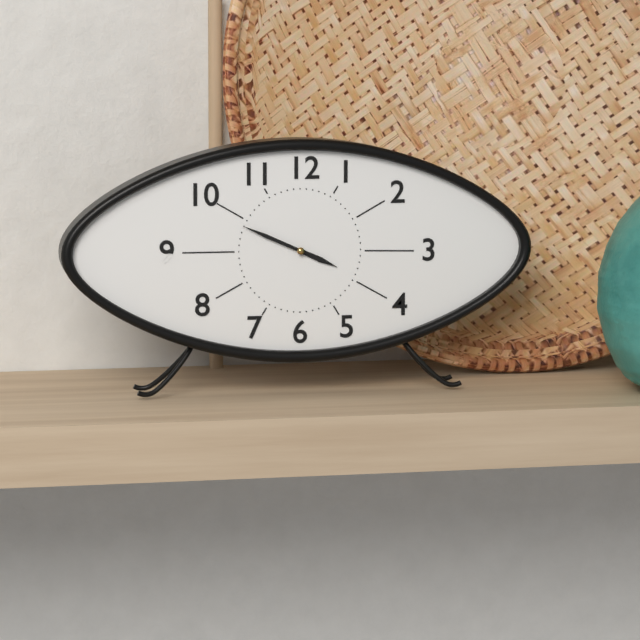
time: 3:49
